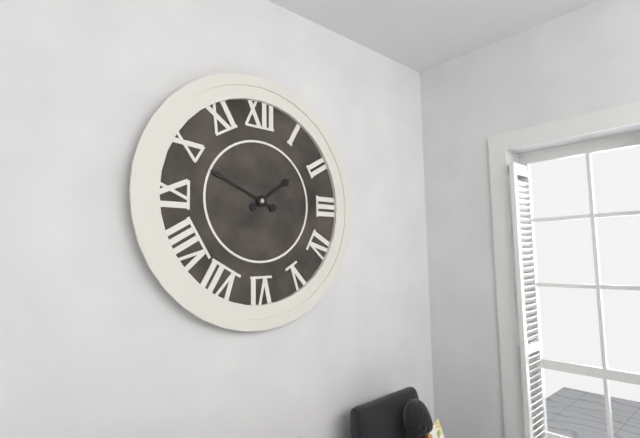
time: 1:49
